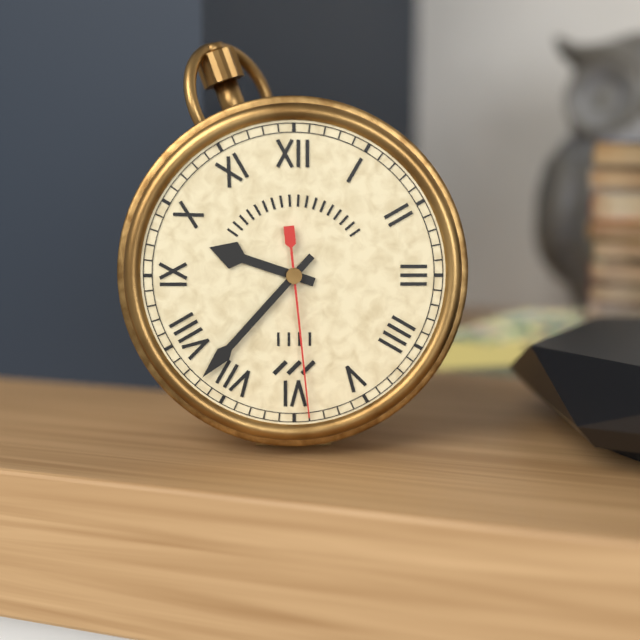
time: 9:37:29
